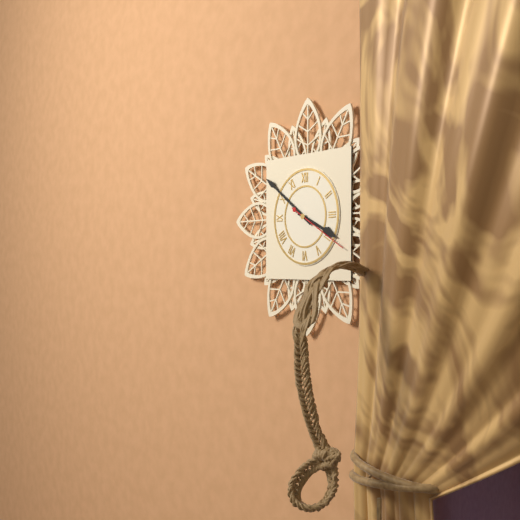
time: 3:51:20
